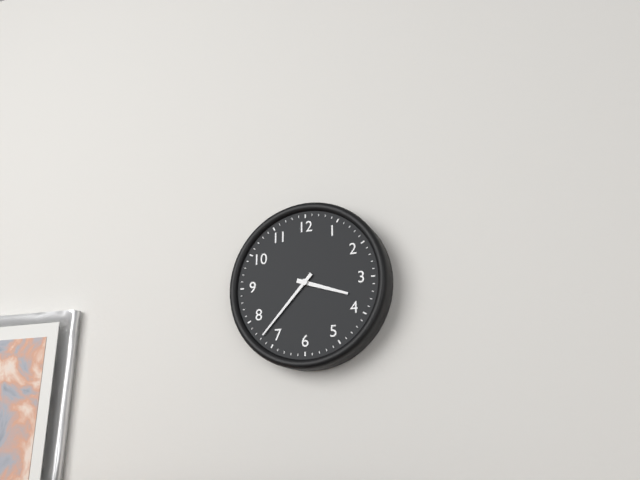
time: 3:37
